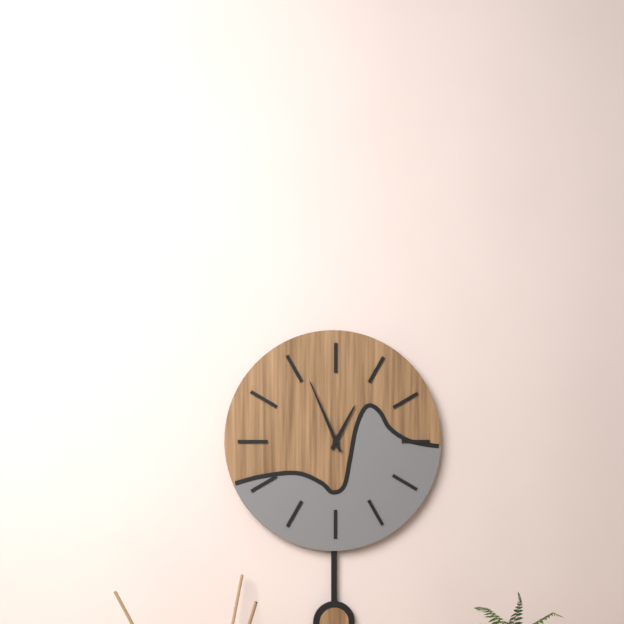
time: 12:56
